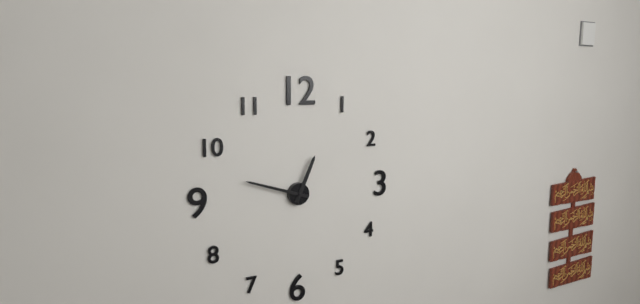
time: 12:48
